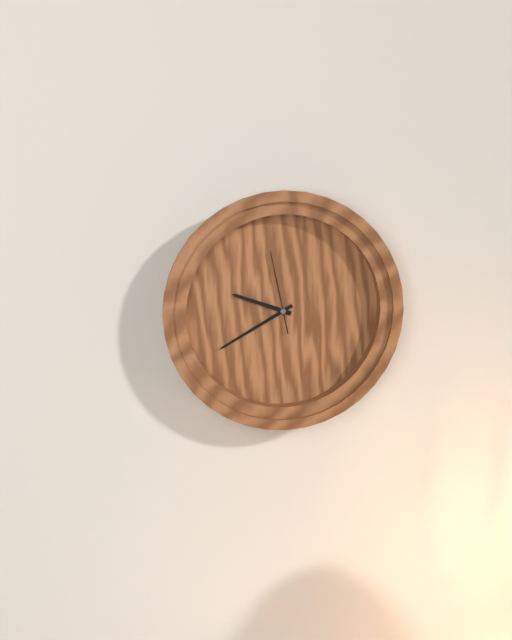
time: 9:40:58
